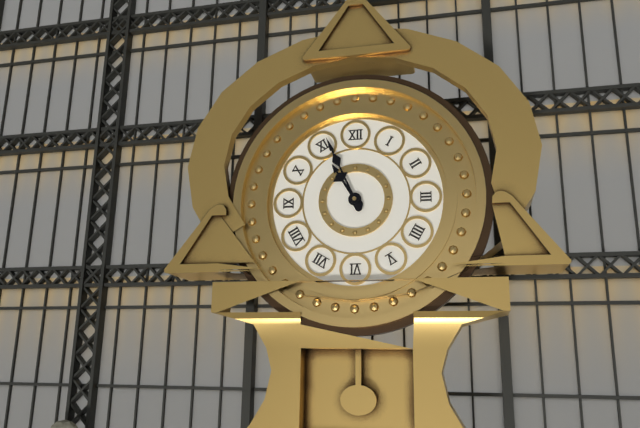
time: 10:56
